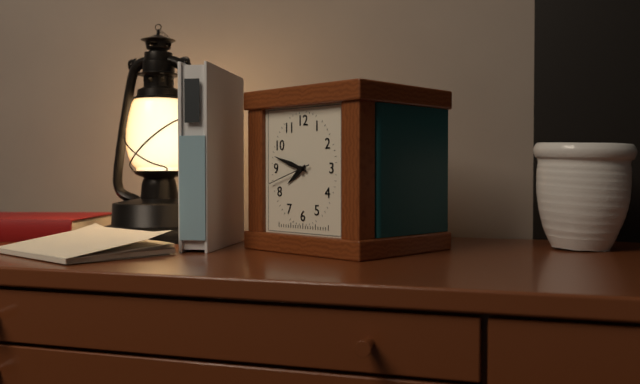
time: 7:48
